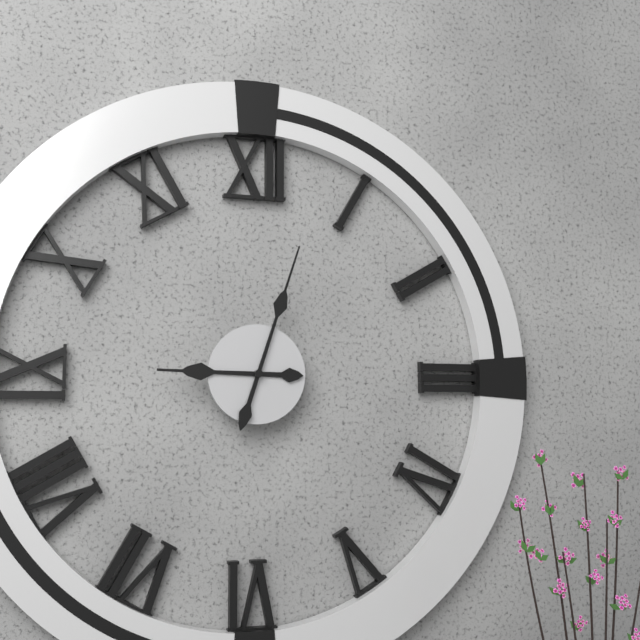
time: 9:03
